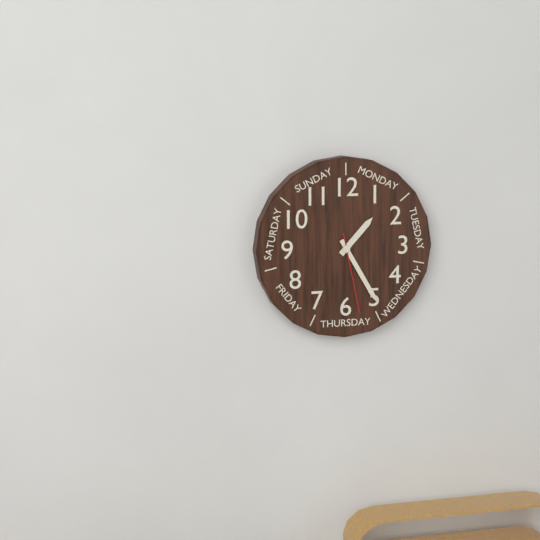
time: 1:25:28
